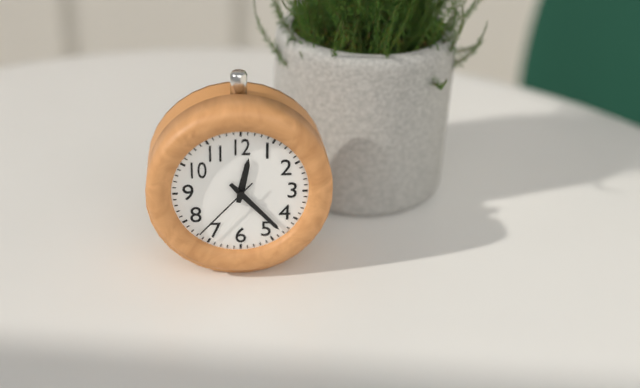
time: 12:23:37
